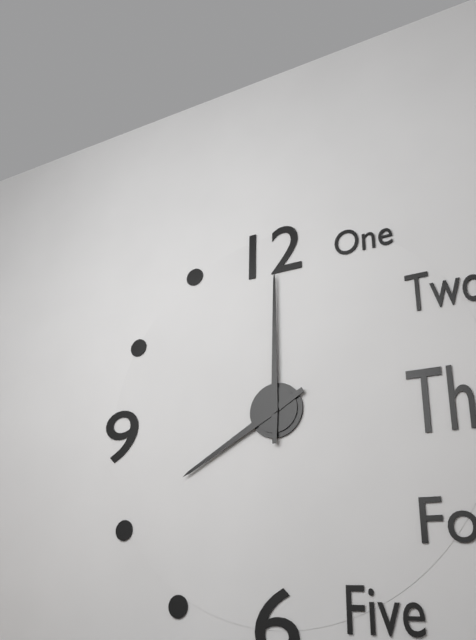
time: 8:00
